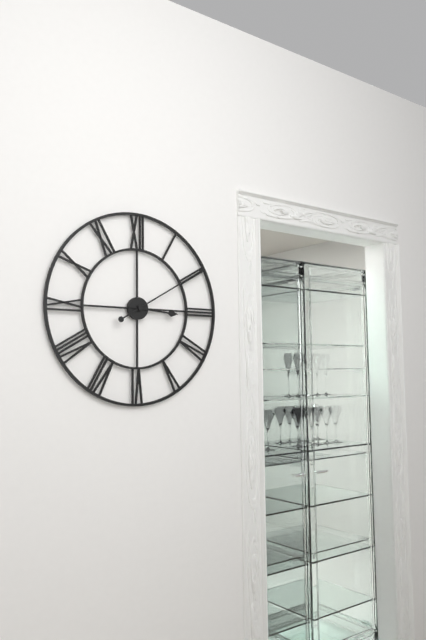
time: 3:10
